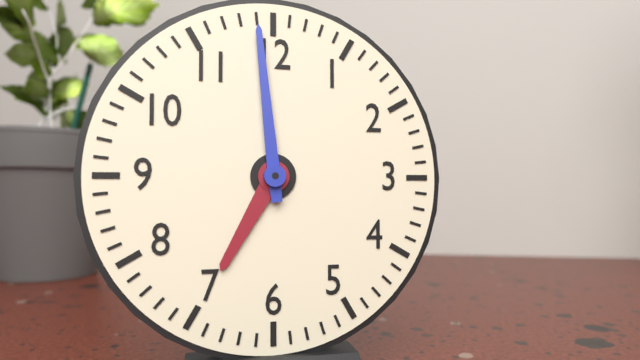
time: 6:59
